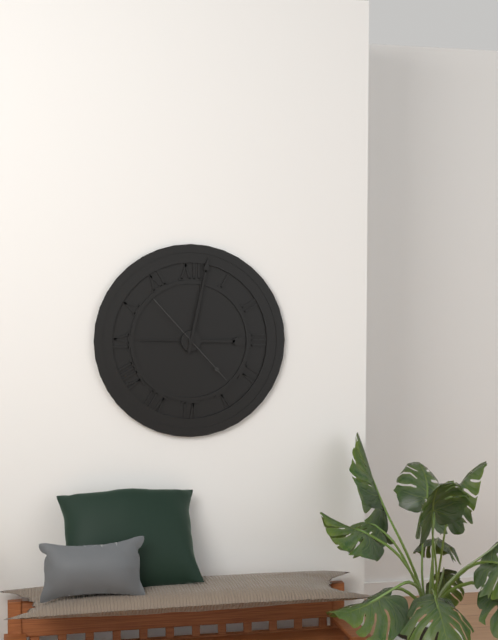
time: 3:02:53
